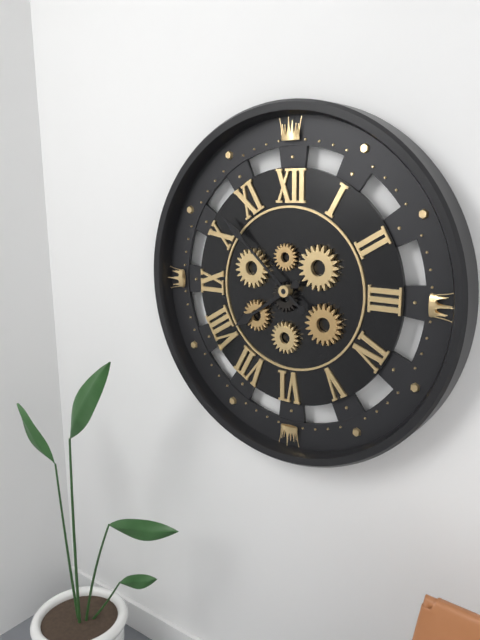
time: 7:52
